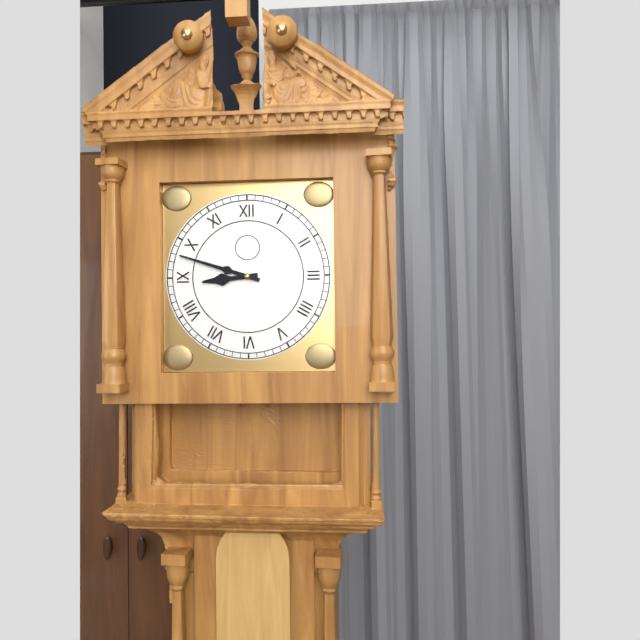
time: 8:48
